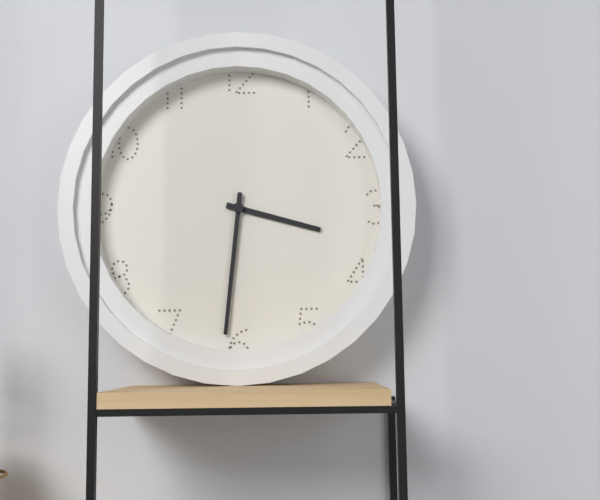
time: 3:31
